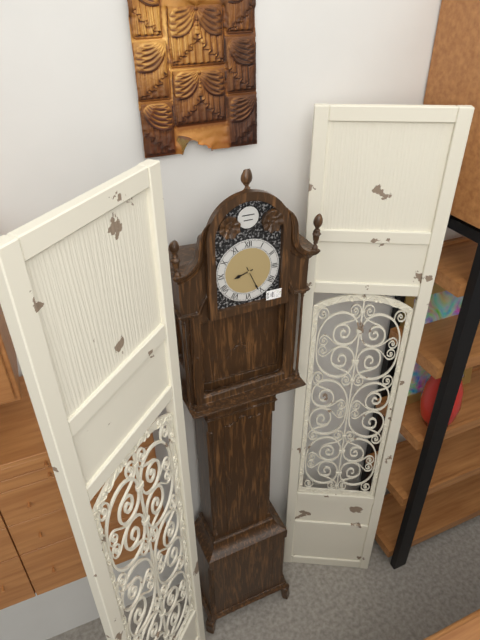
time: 8:26
